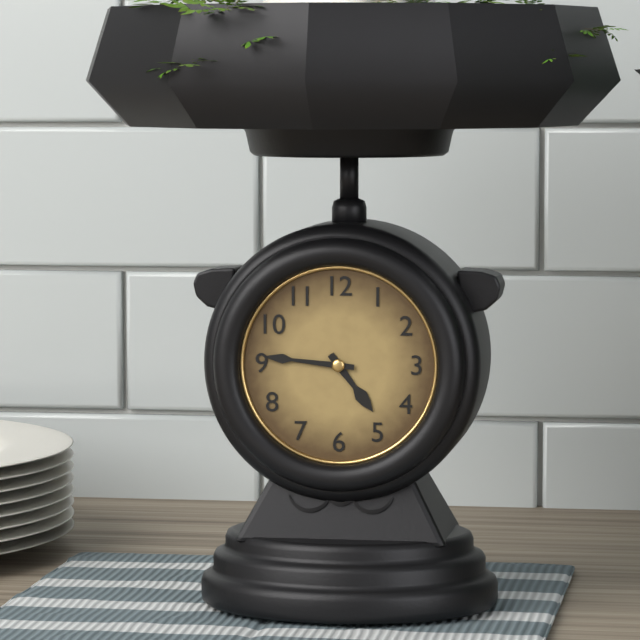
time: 4:46
